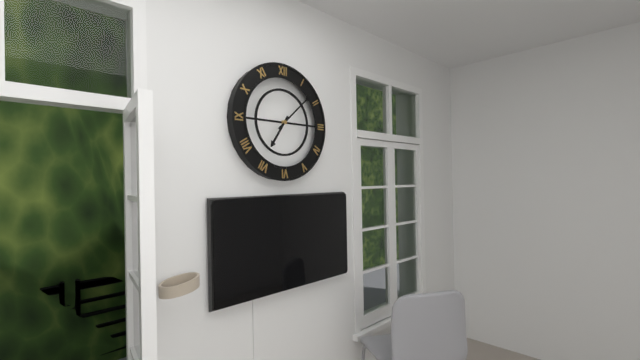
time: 7:08
